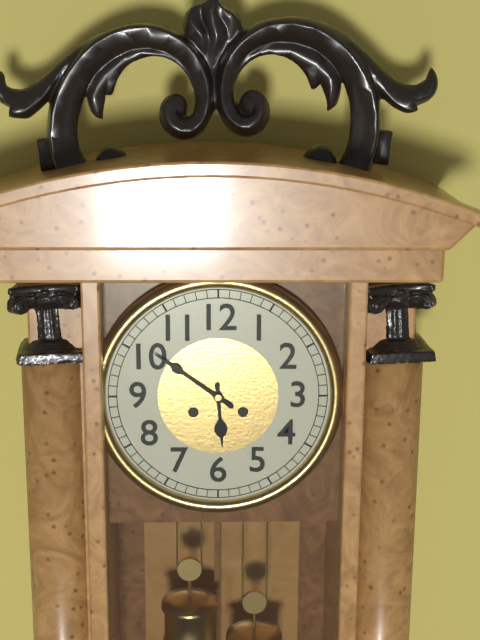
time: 5:51
